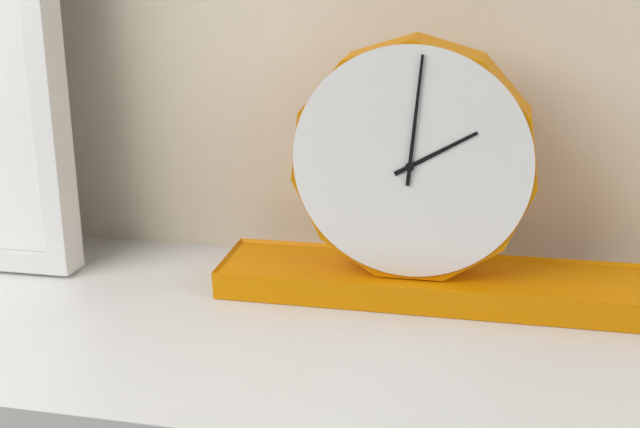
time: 2:01
